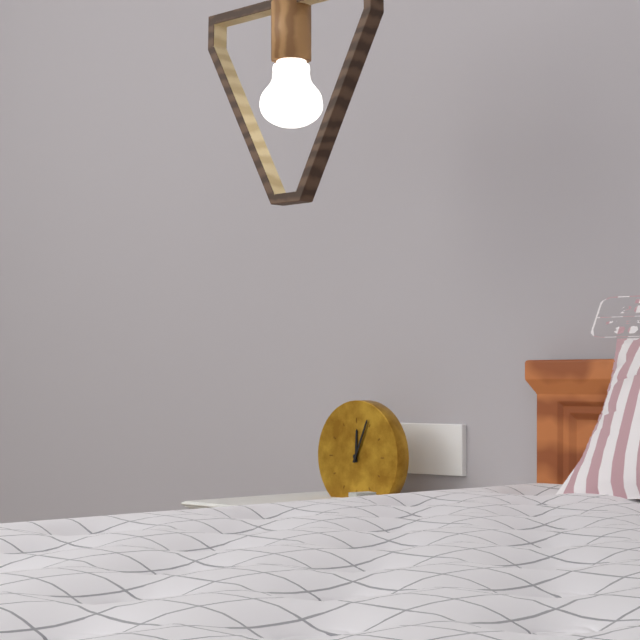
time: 12:04
